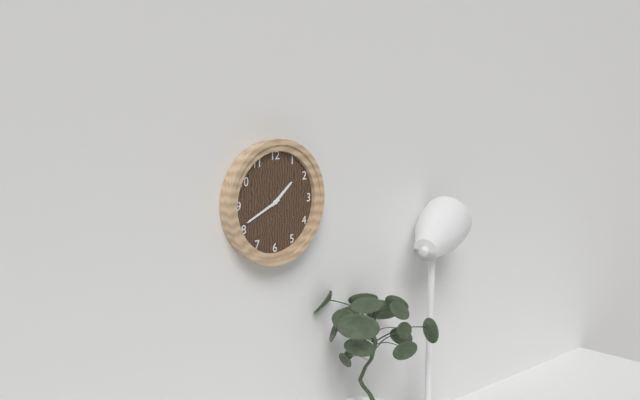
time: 1:41
